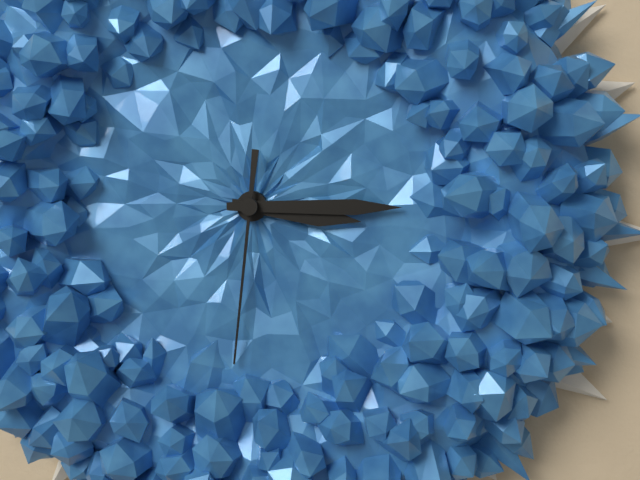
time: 3:15:31
